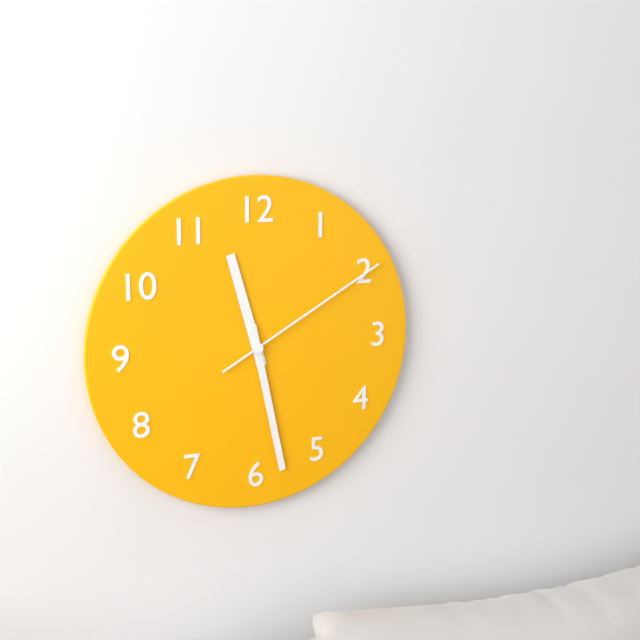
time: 11:28:10
